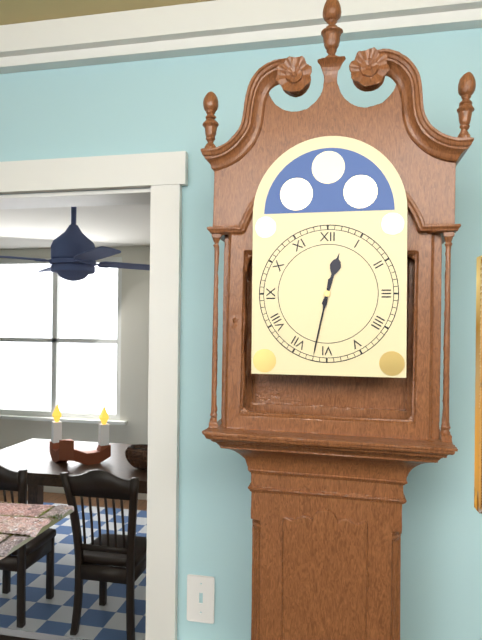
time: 12:32
